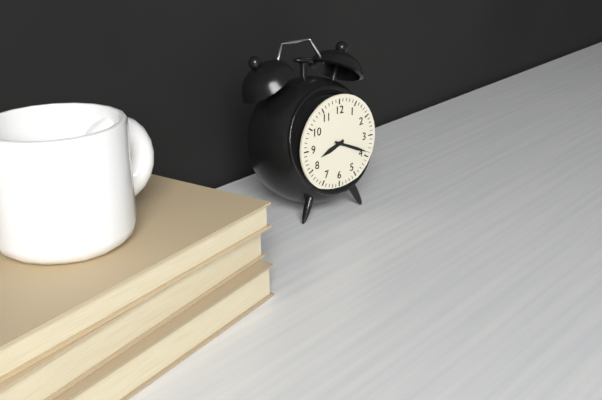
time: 8:19
